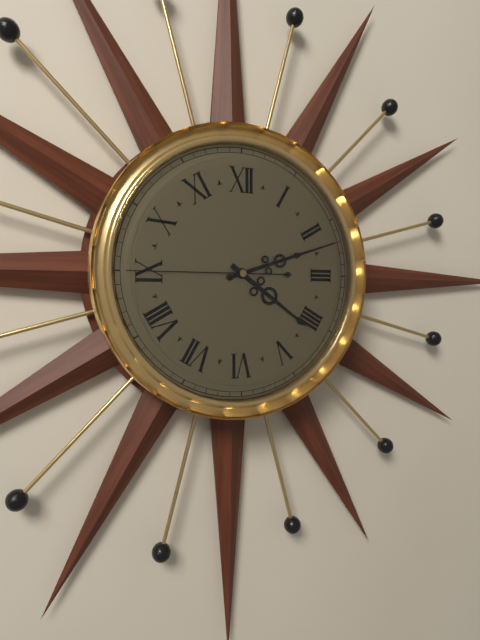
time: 4:12:45
